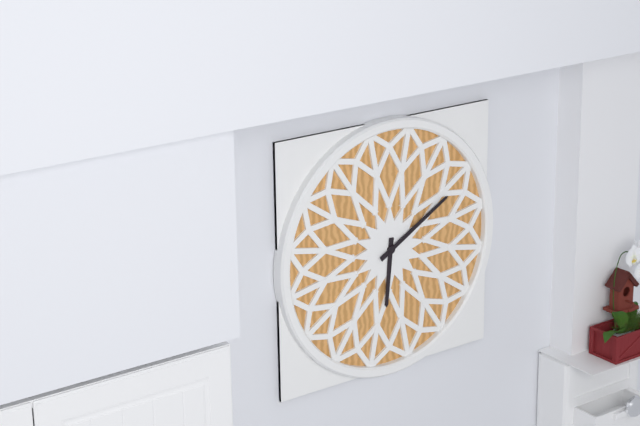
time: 6:10
